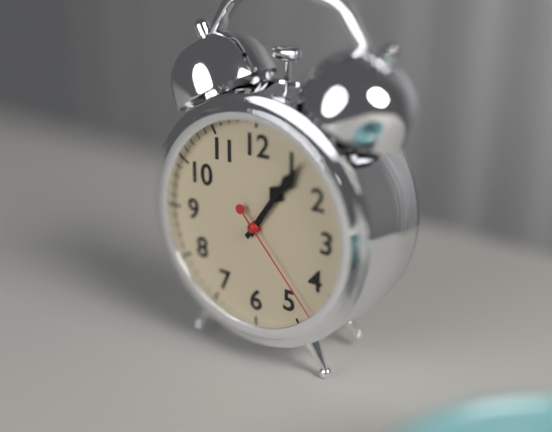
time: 1:06:23
